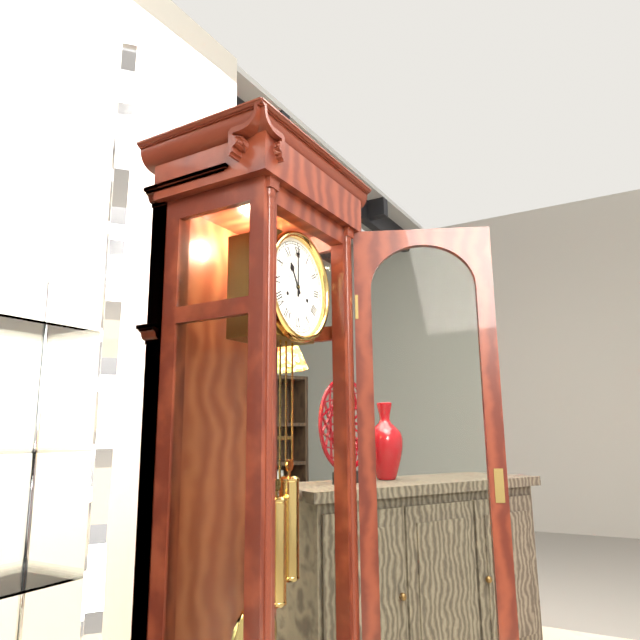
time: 11:00
